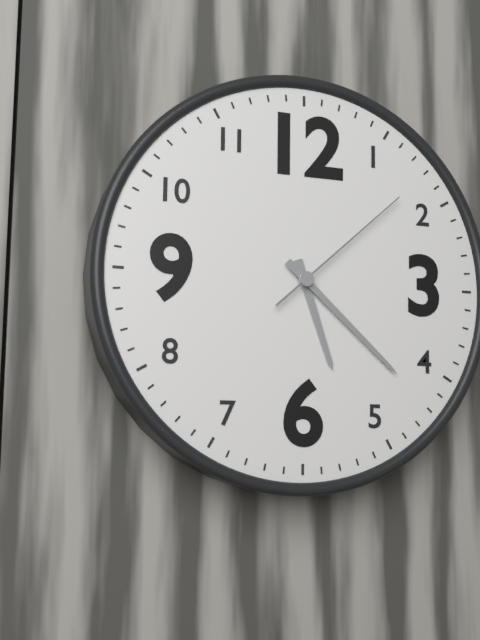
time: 5:22:08
